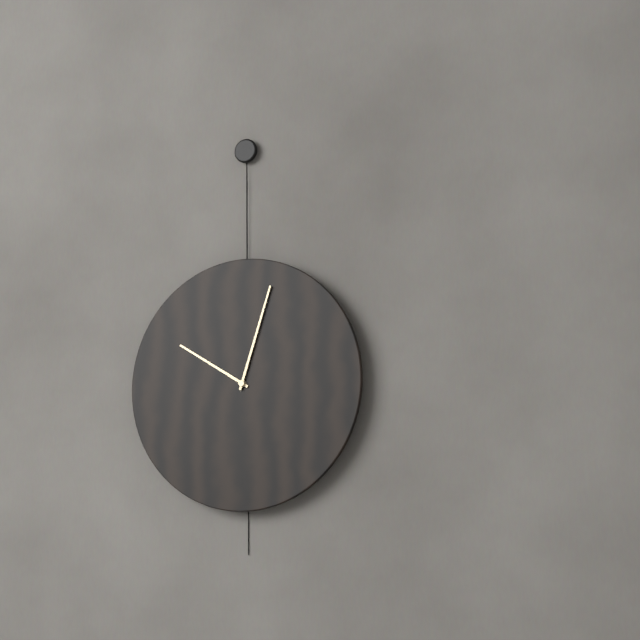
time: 10:03
